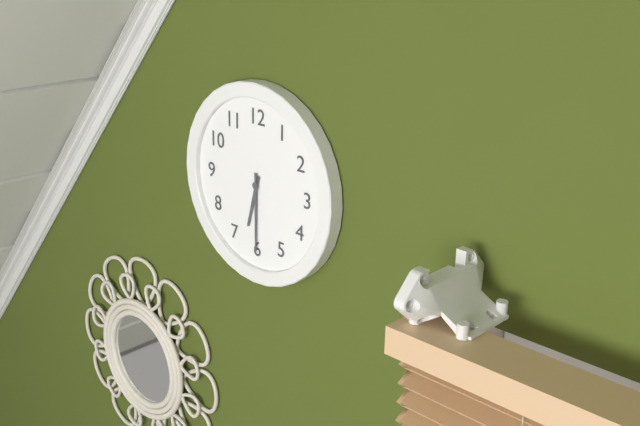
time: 6:30
